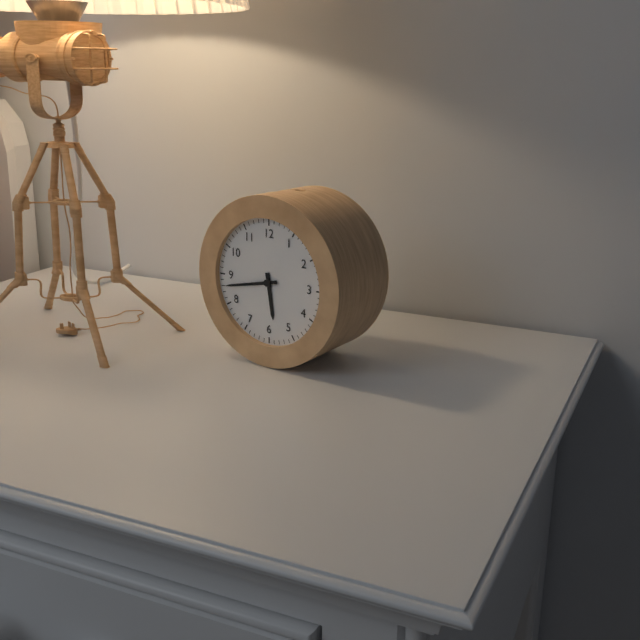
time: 5:43
